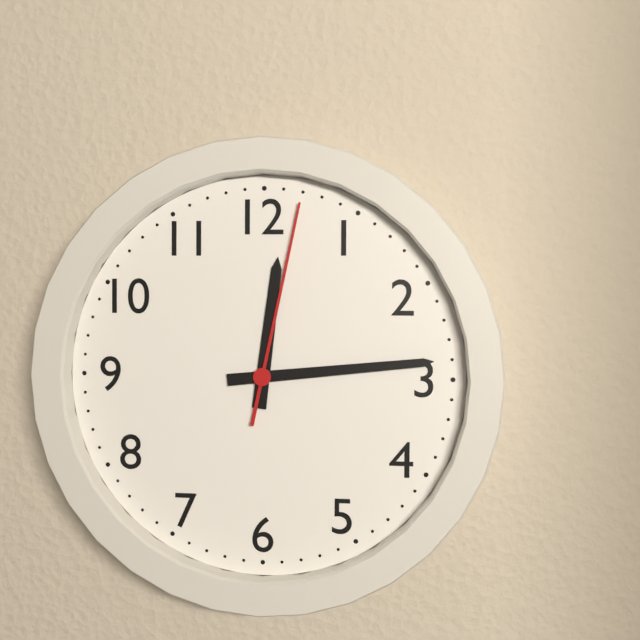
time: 12:14:02
